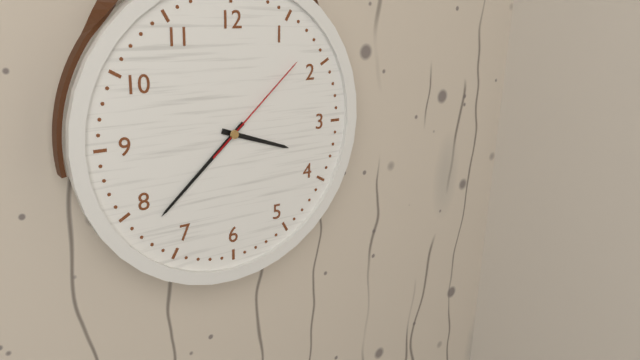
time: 3:38:08
